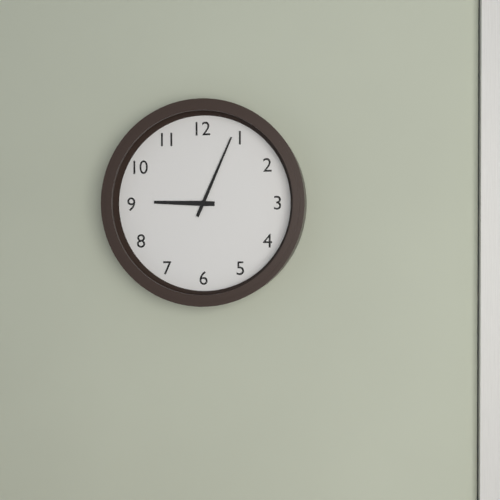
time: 9:04
